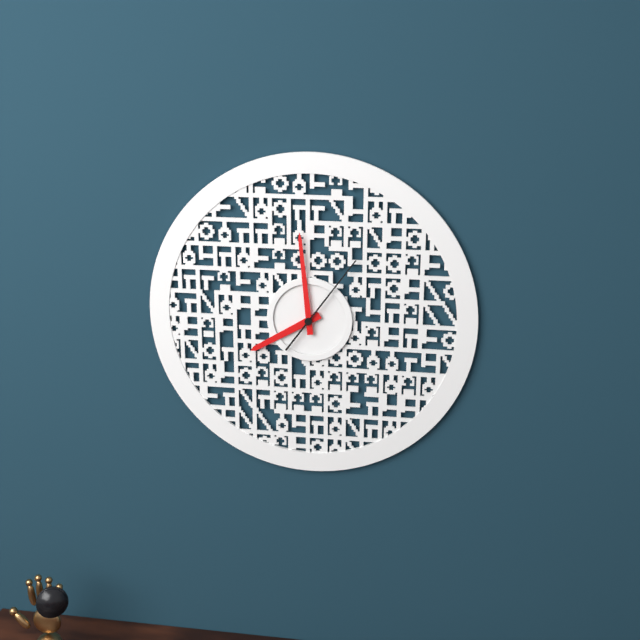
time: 7:59:06
